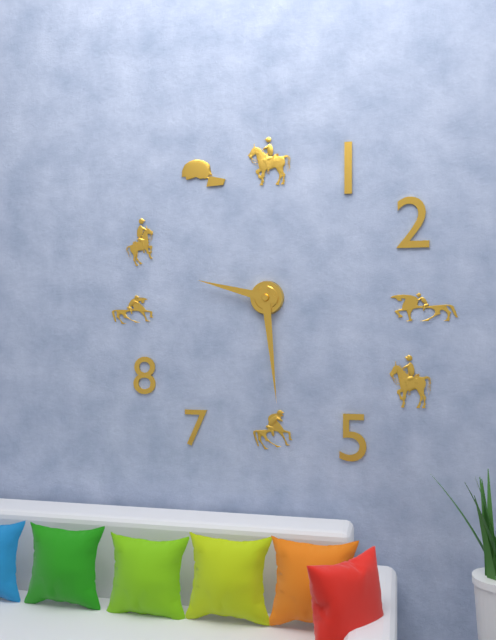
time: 9:29
